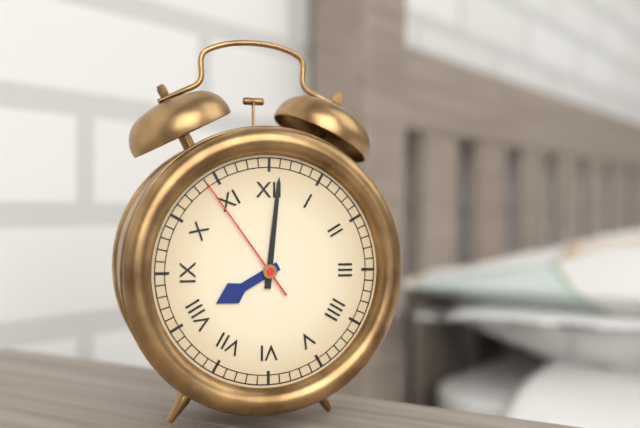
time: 8:01:54
